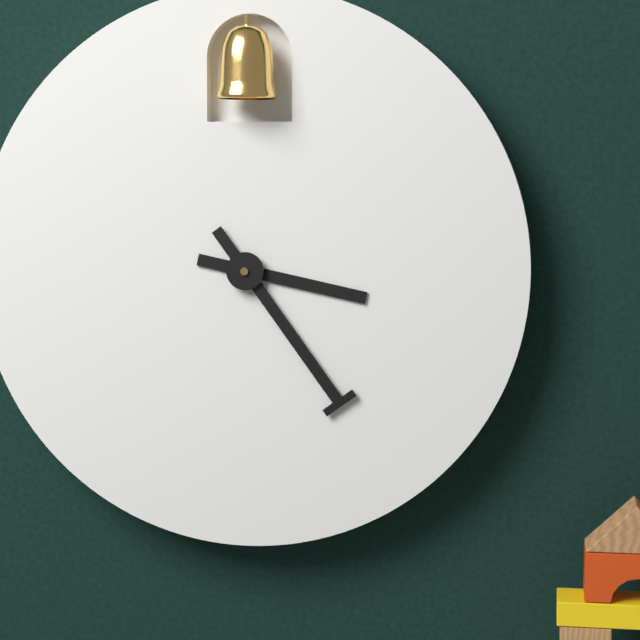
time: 3:24
